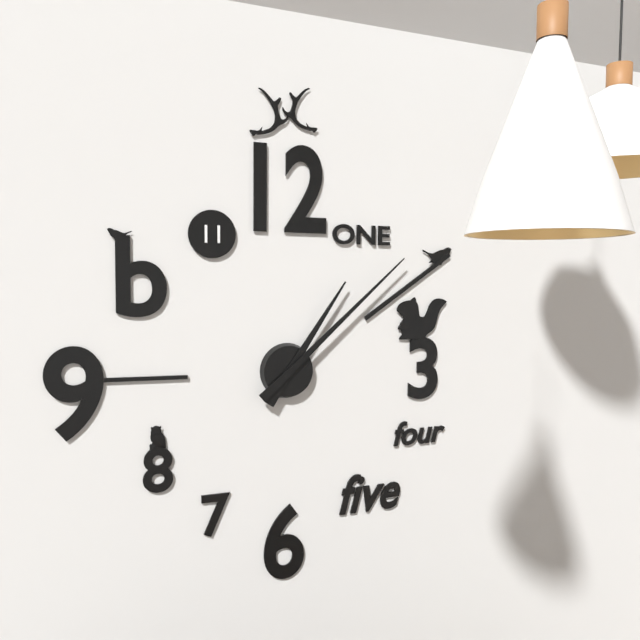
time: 1:08
